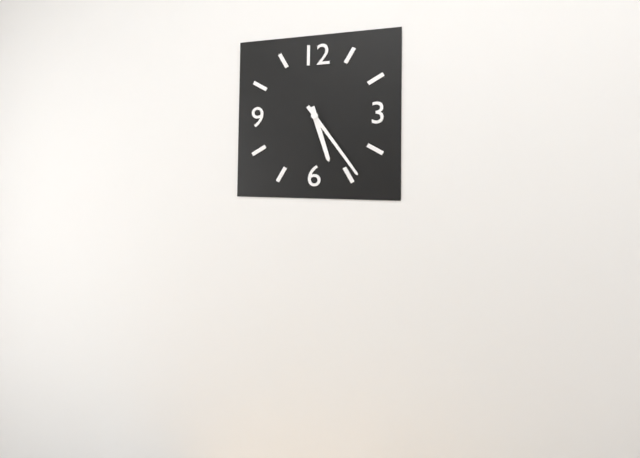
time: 5:24
